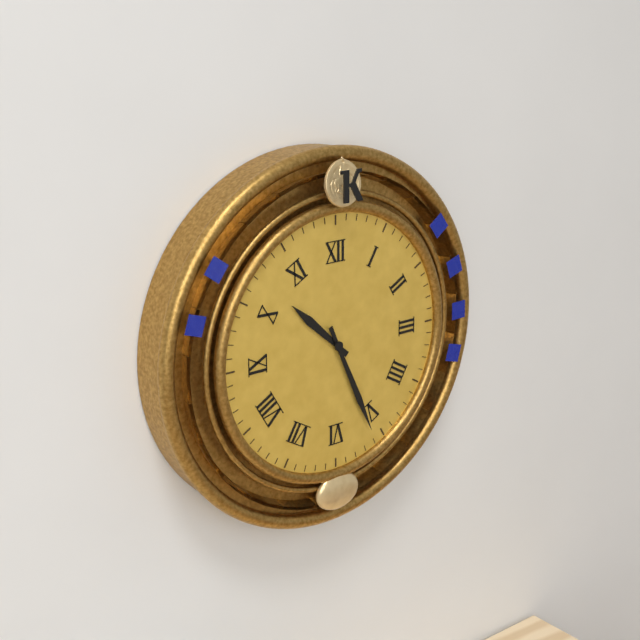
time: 10:26
